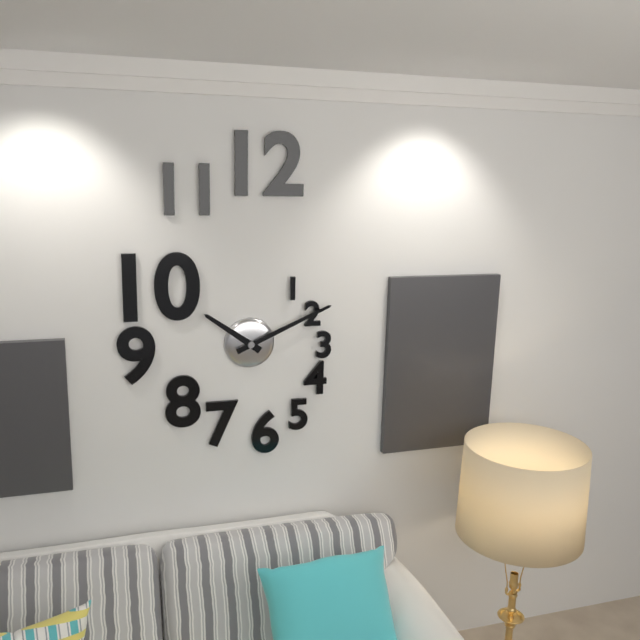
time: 10:11
